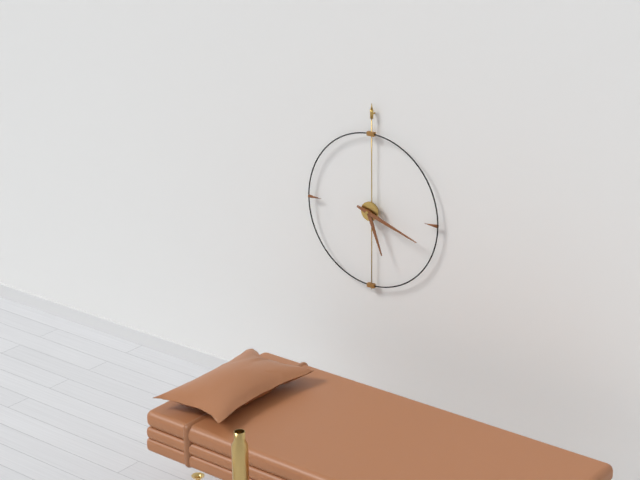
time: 5:18
